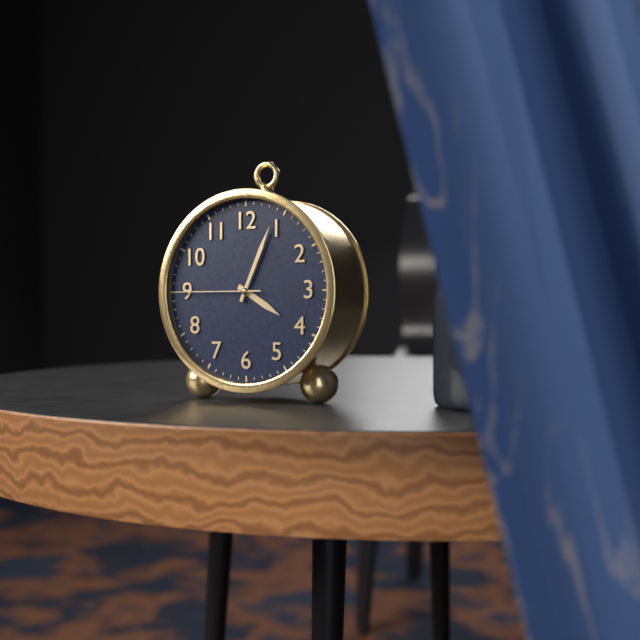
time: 4:04:45
